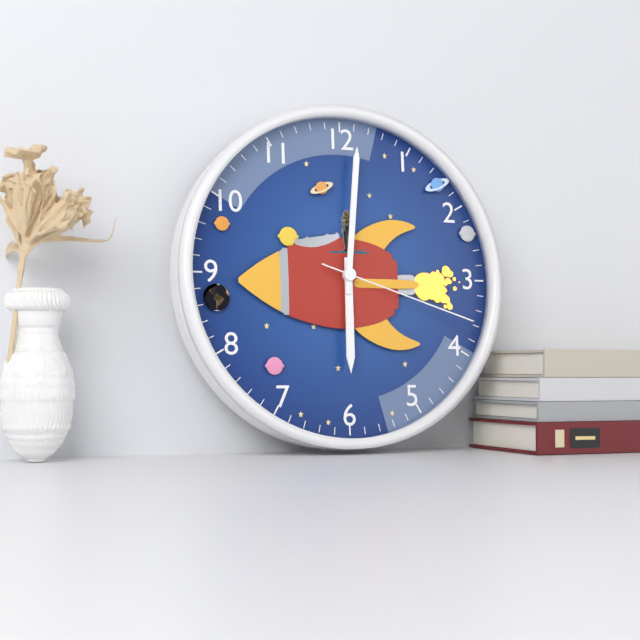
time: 6:01:18
